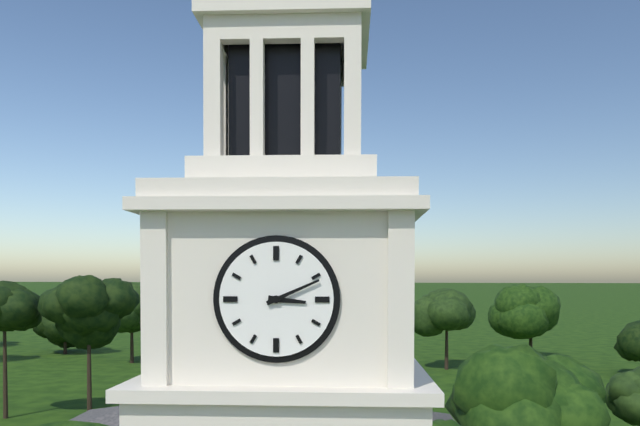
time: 3:11
